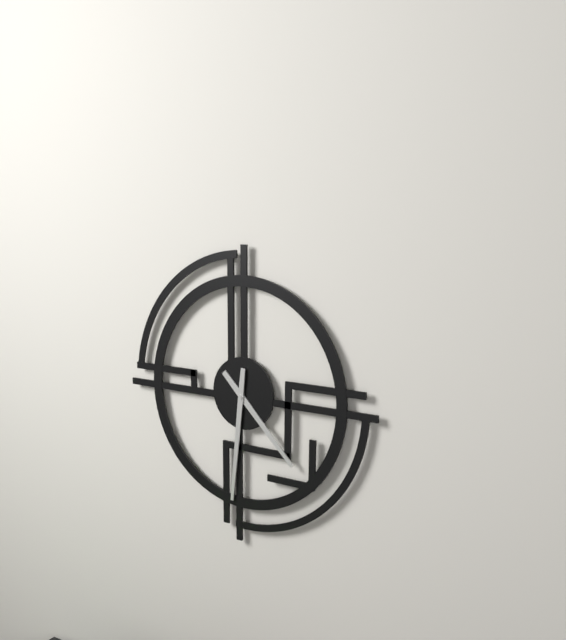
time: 4:31
